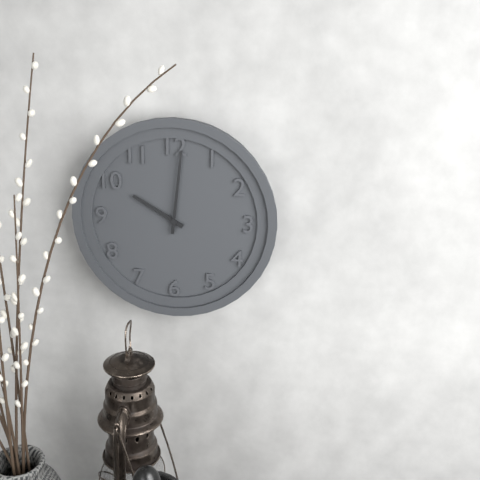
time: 10:01
